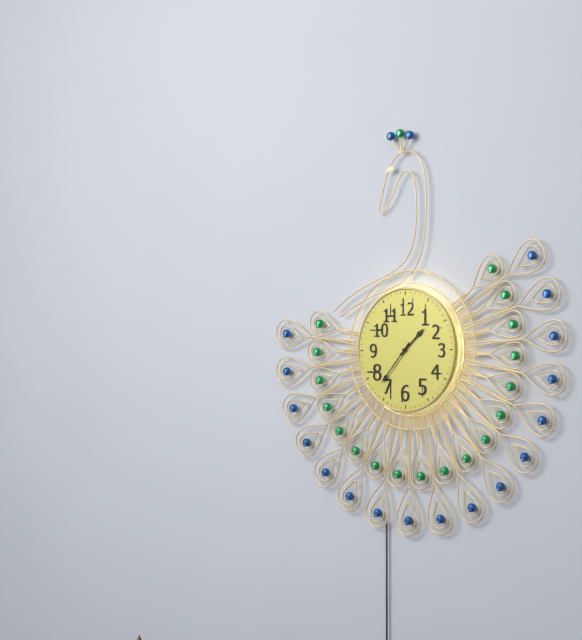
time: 1:37
